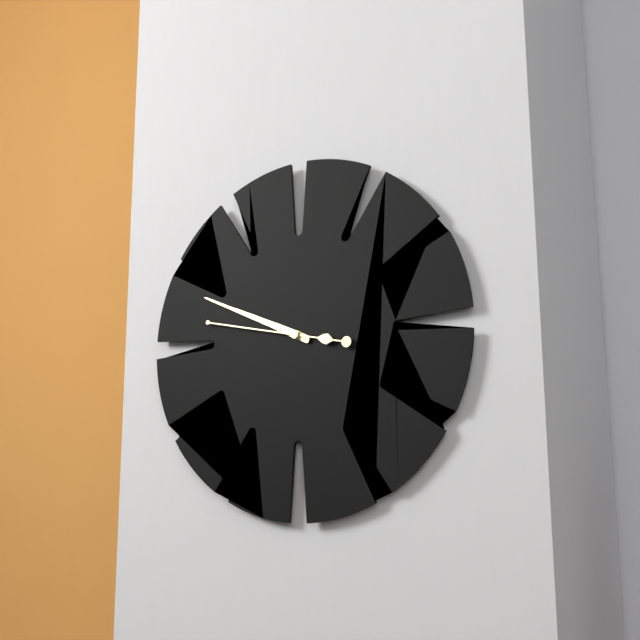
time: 9:49:47
